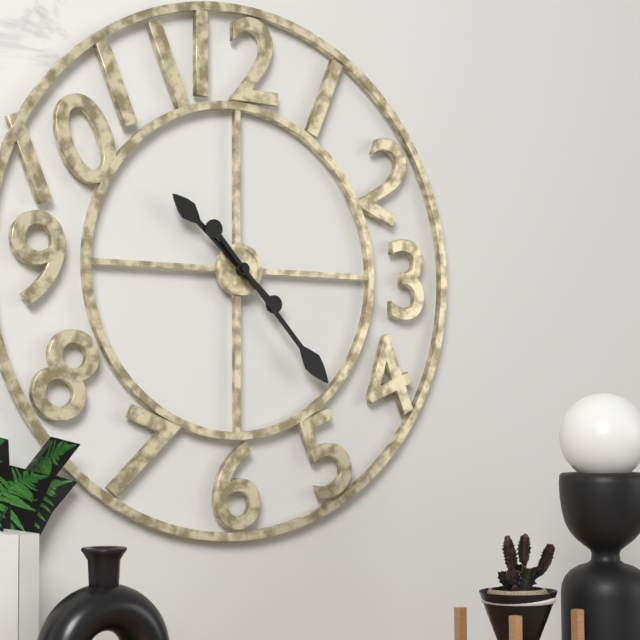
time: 10:23
